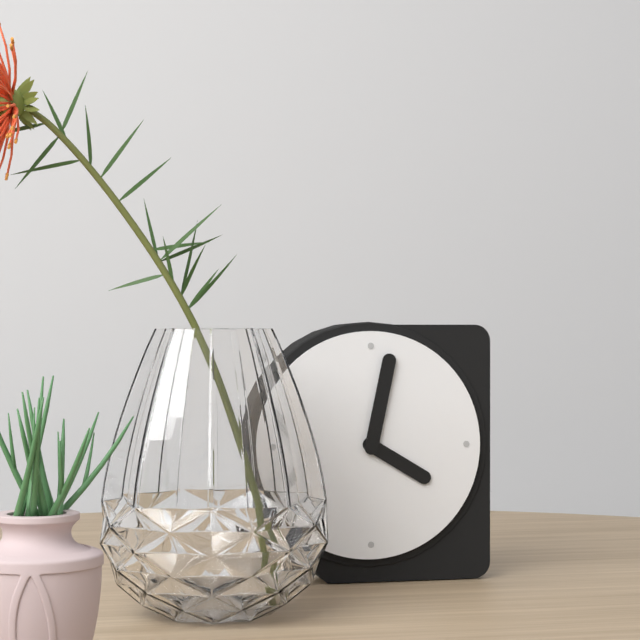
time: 4:02
